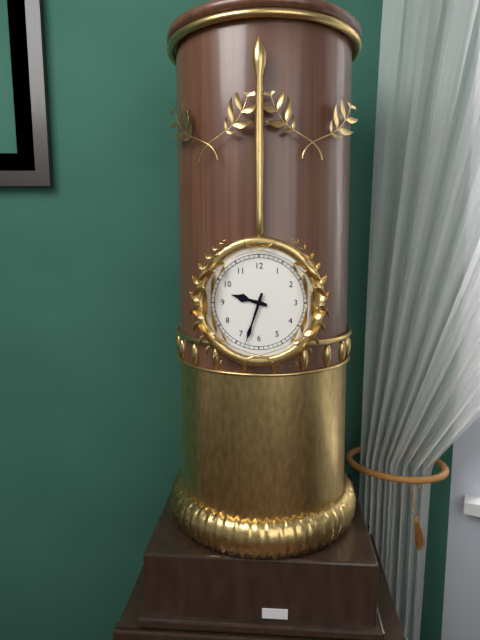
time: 9:33
